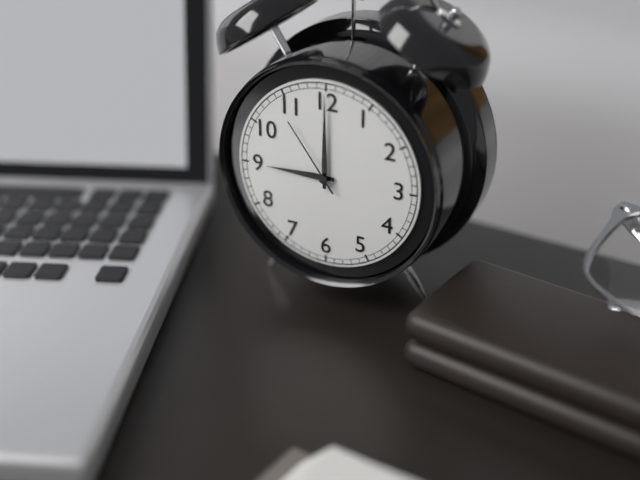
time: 9:00:54
